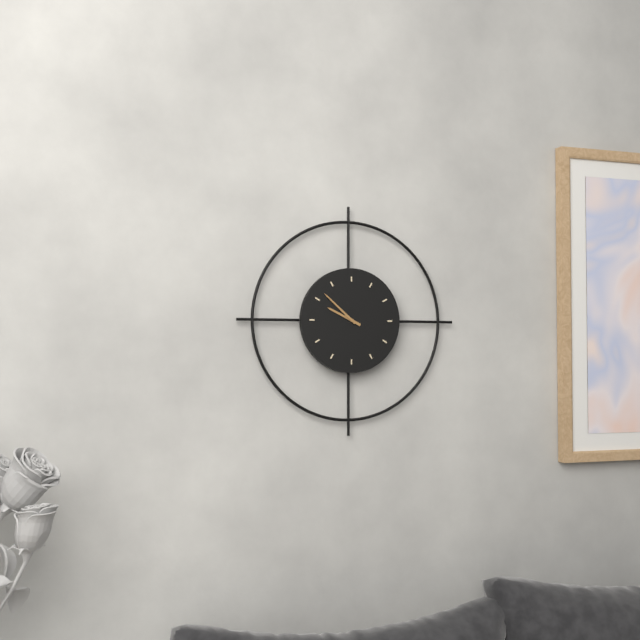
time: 9:52
